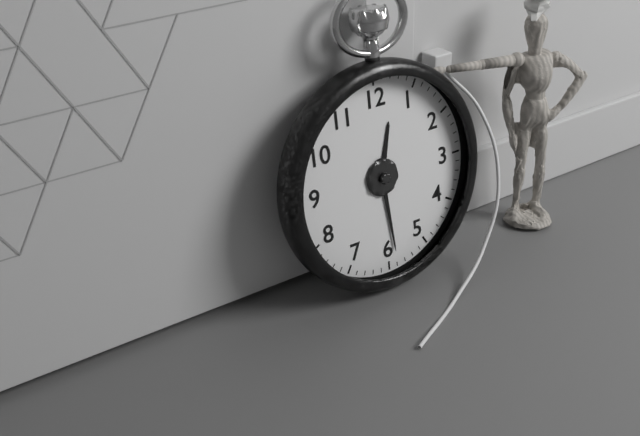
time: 12:29
